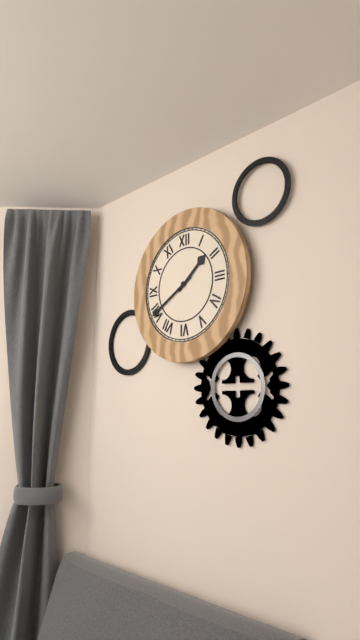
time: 1:40
